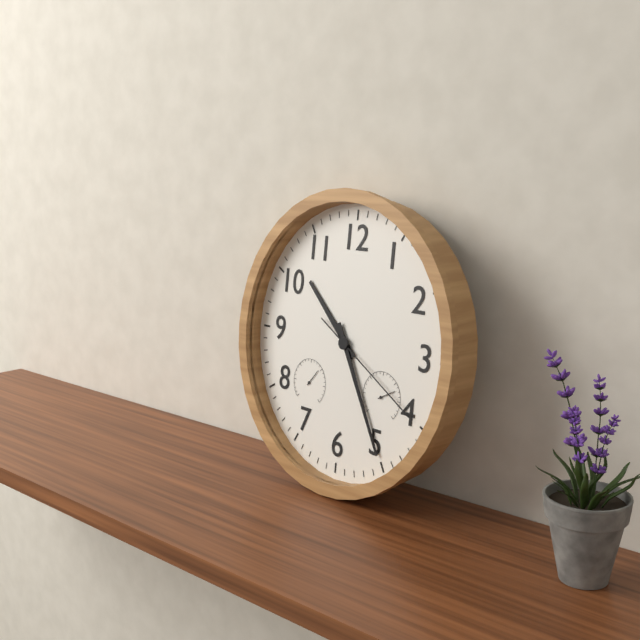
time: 10:25:20
